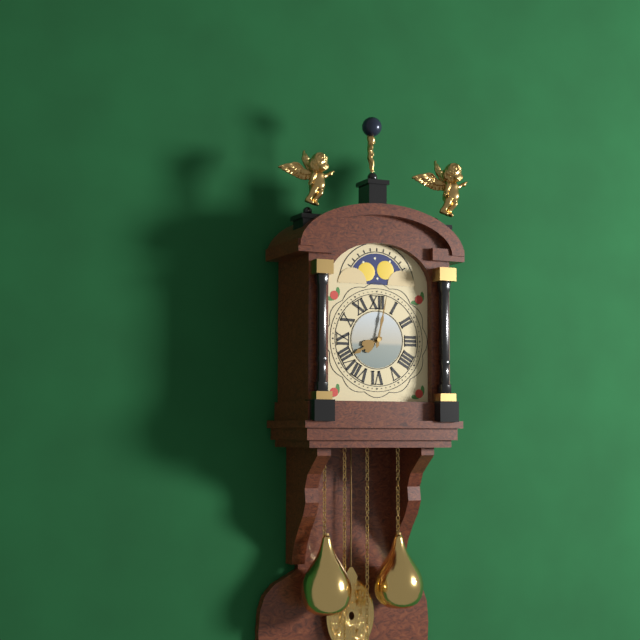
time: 8:02
